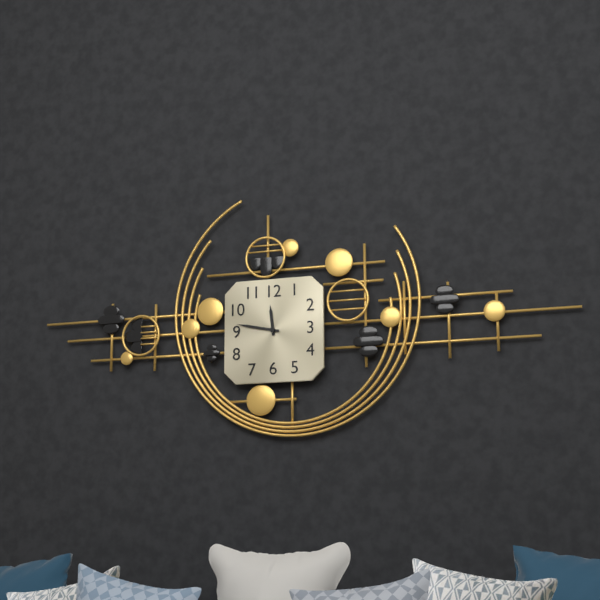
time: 11:47
